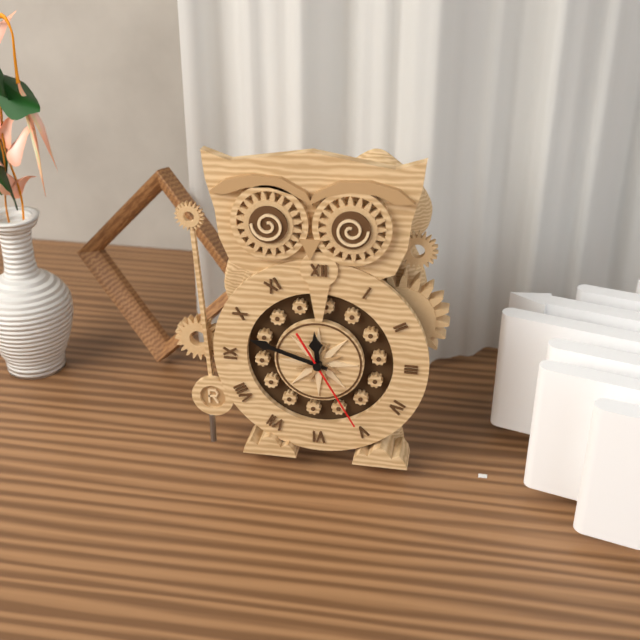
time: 11:48:25
